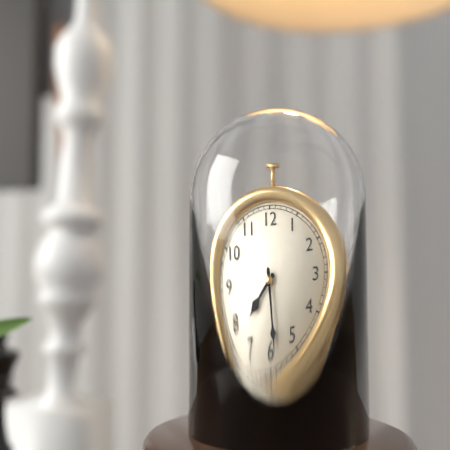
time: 7:29
